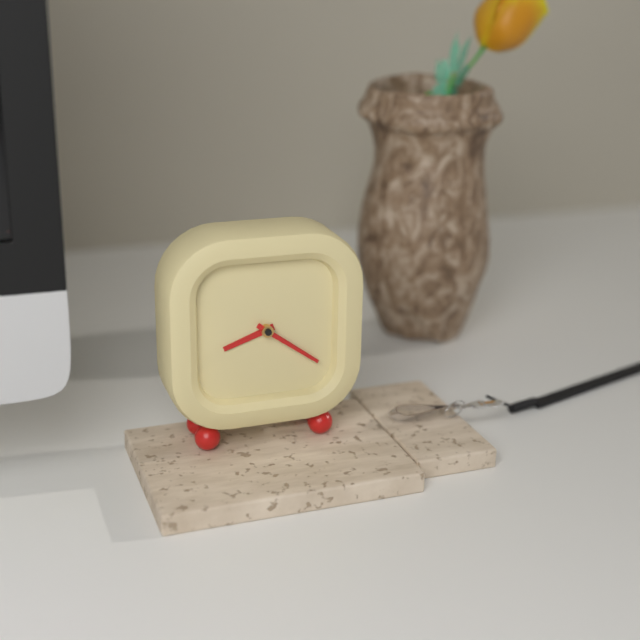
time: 8:21
